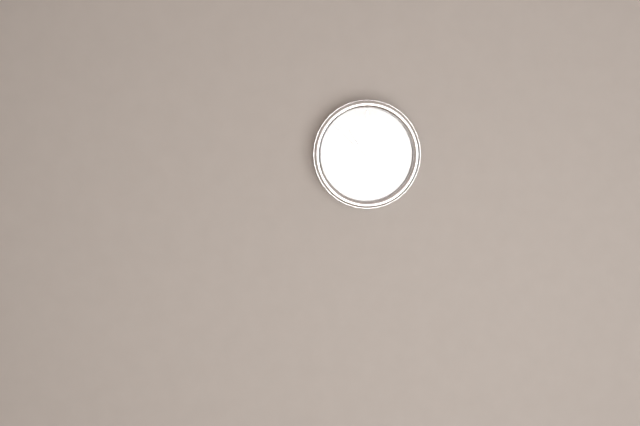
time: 10:52:21
